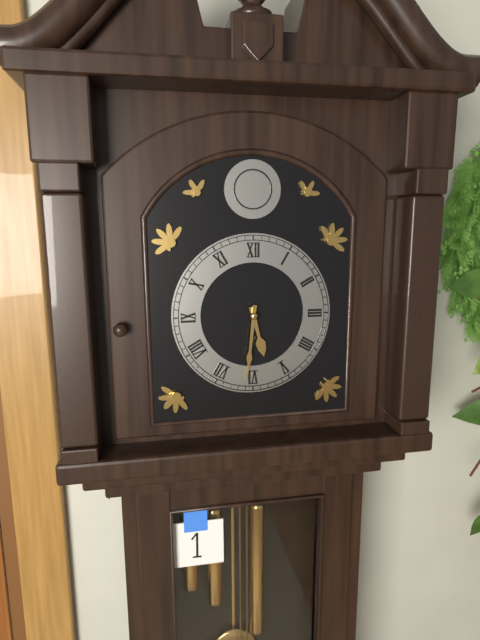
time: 5:31
